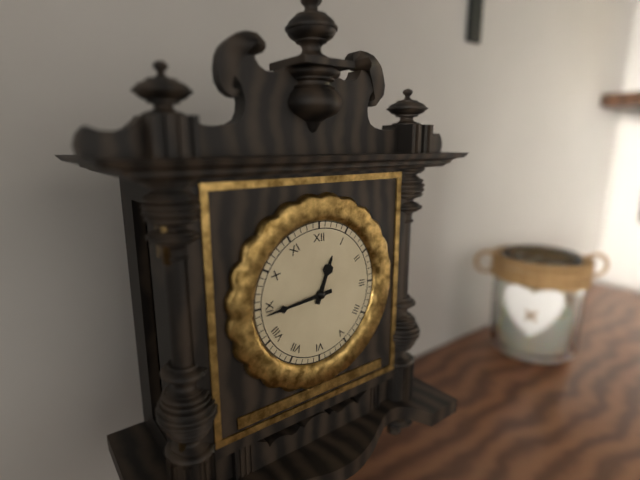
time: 12:44
